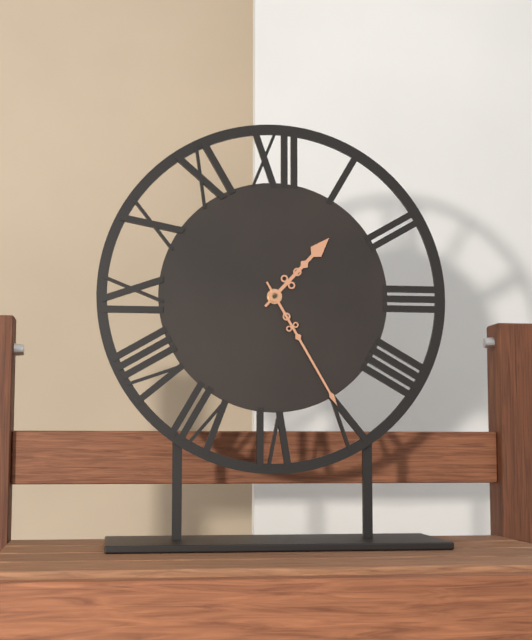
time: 1:25
